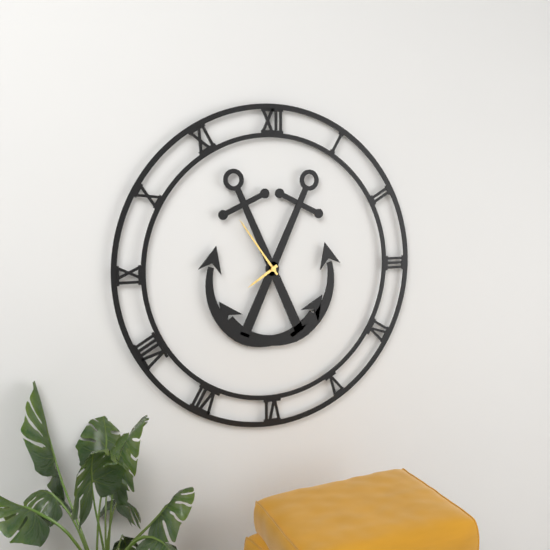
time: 7:54
